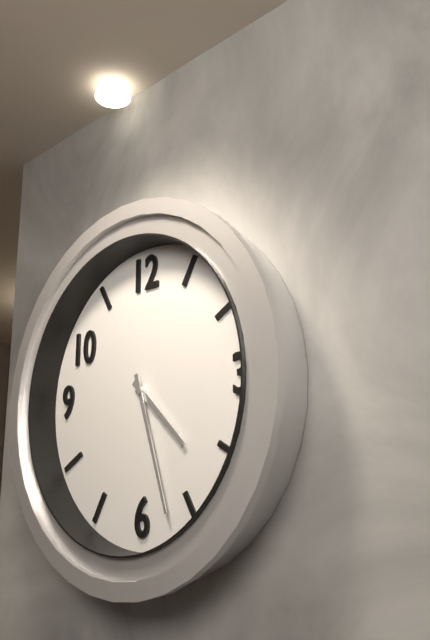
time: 4:27
